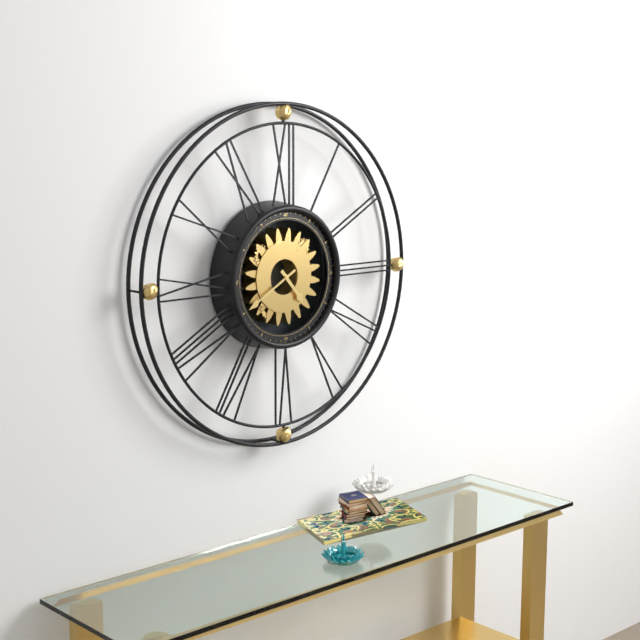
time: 4:40
